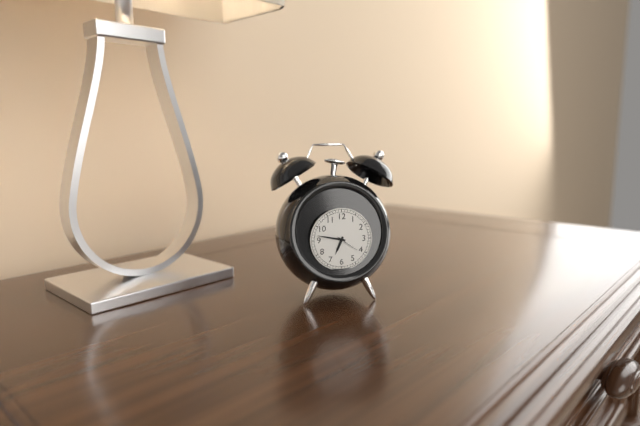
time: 6:47
